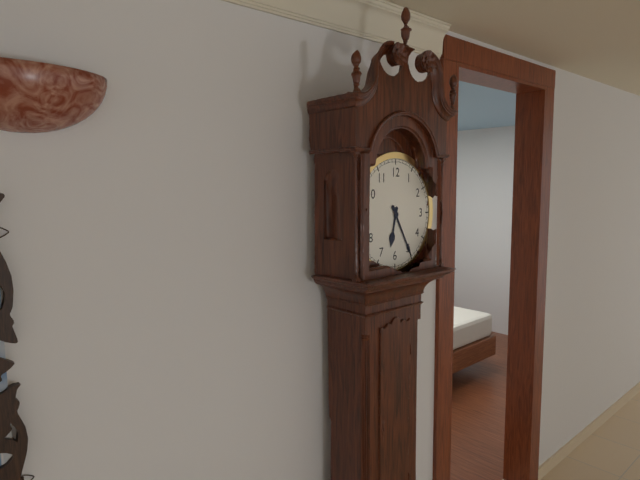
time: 6:25
